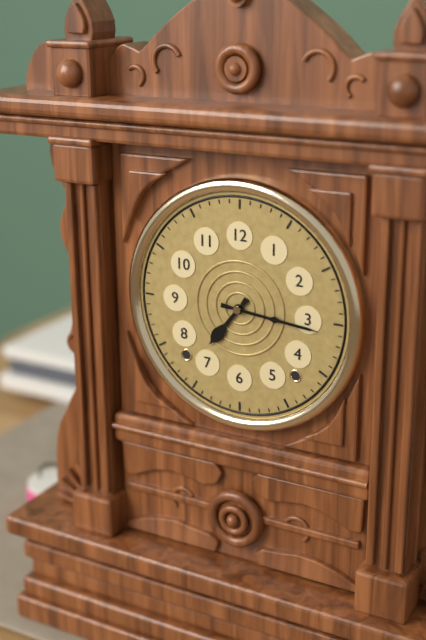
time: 7:16
